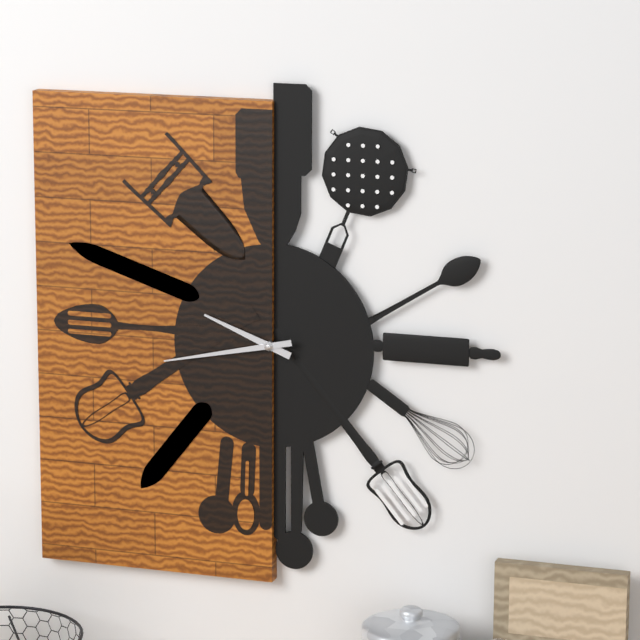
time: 9:43
